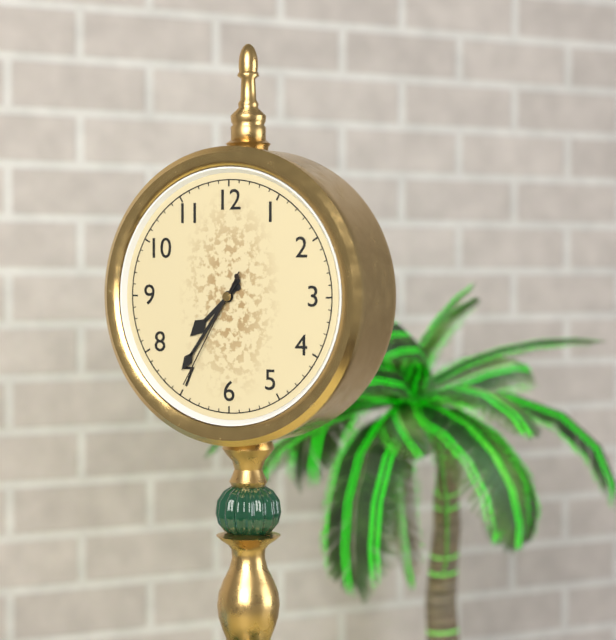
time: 7:36:35
